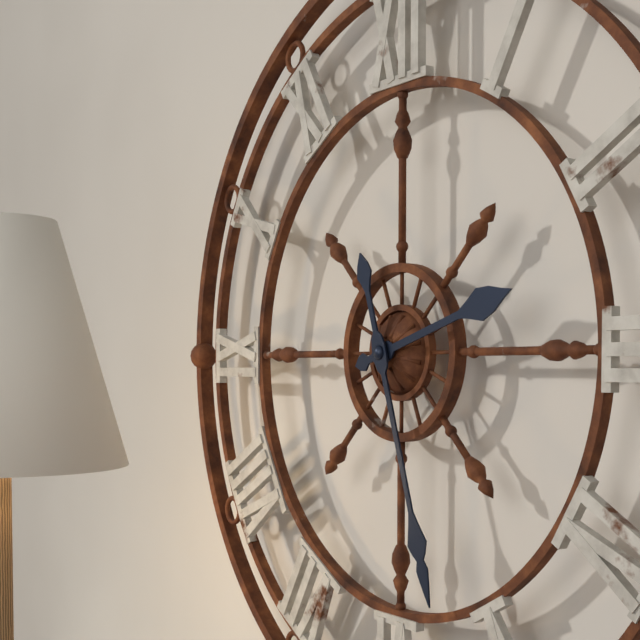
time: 2:27
